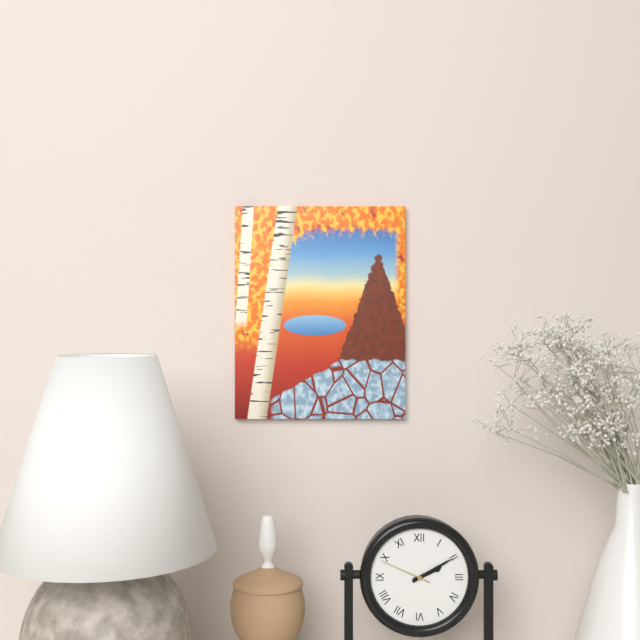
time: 2:10:49
